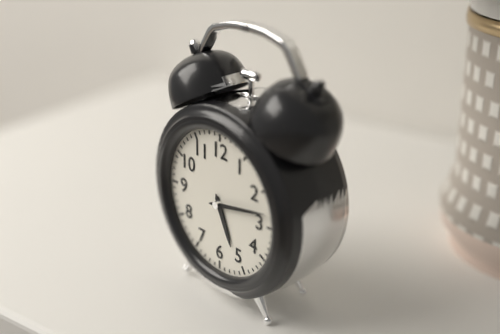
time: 5:13
